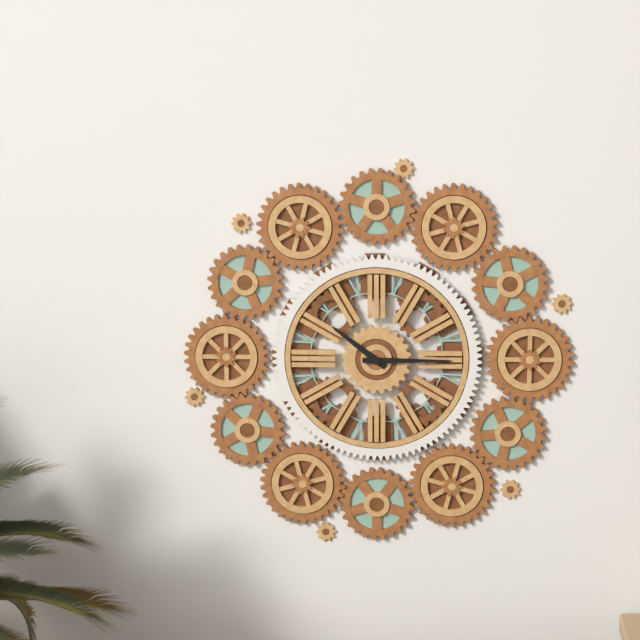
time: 10:15
